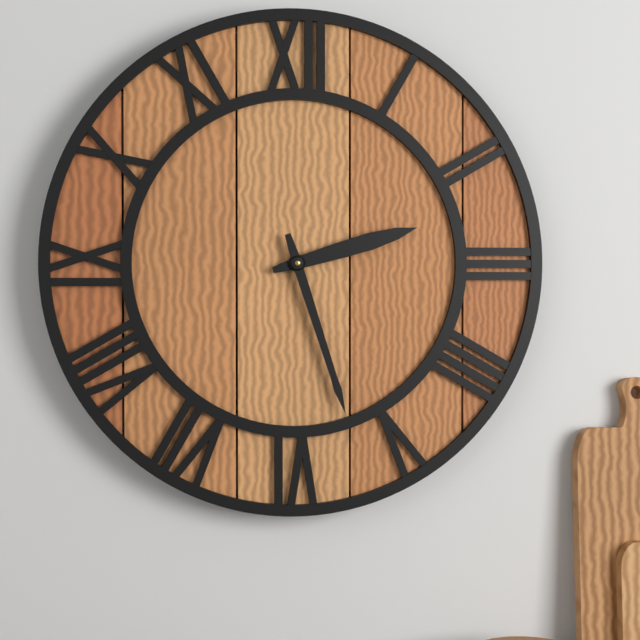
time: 2:27
